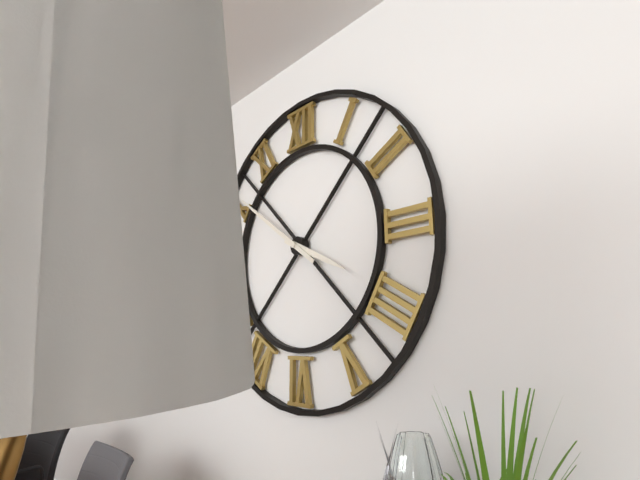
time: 3:51
